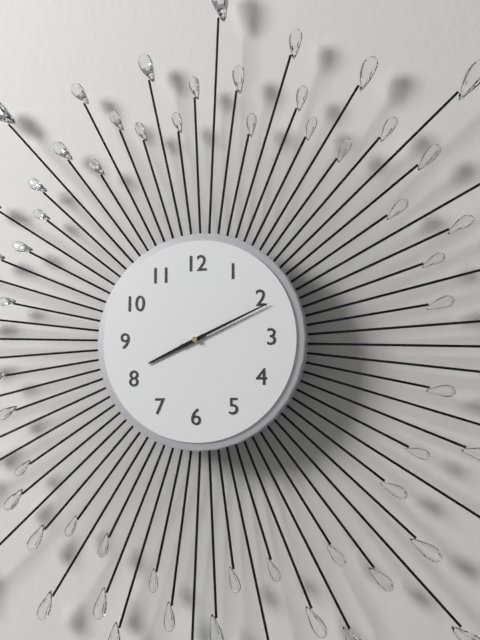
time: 8:11
